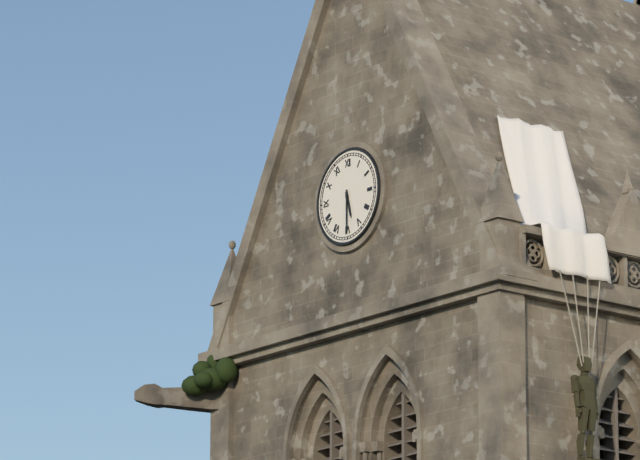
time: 5:30
